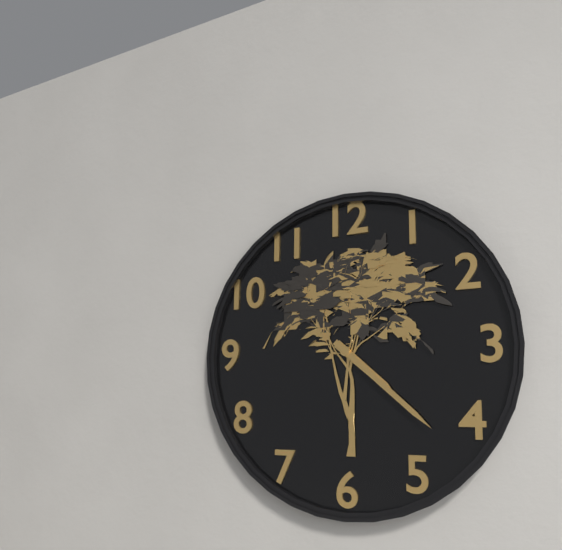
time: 4:22
